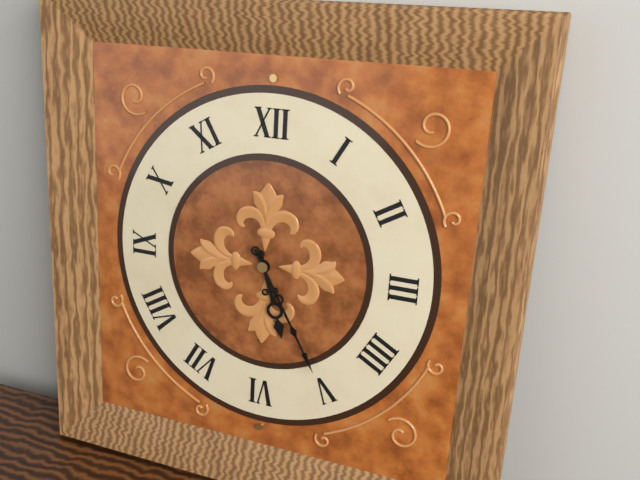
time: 5:25
